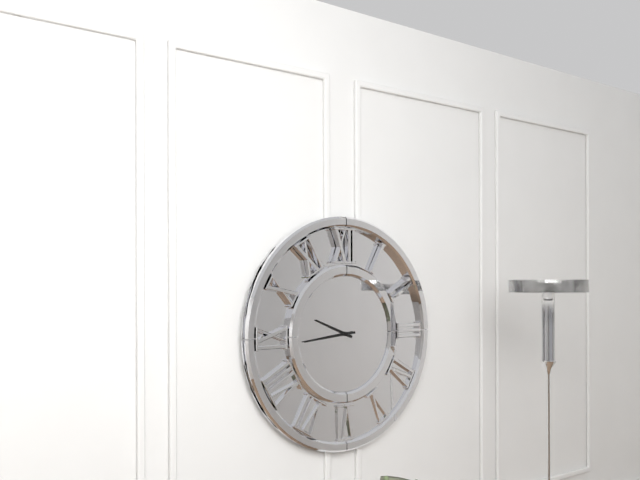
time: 9:44
